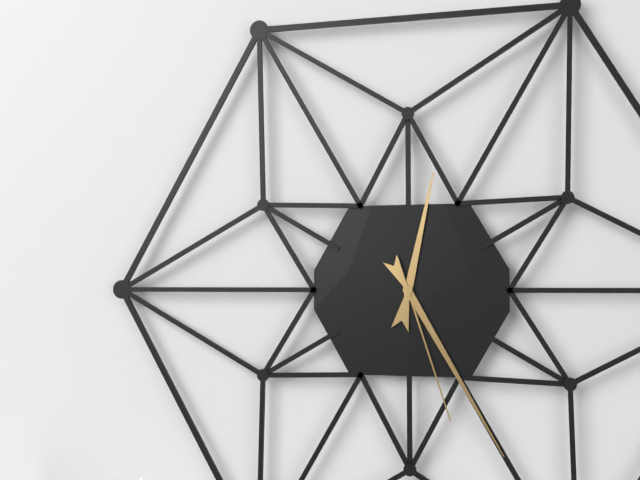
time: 12:25:27
